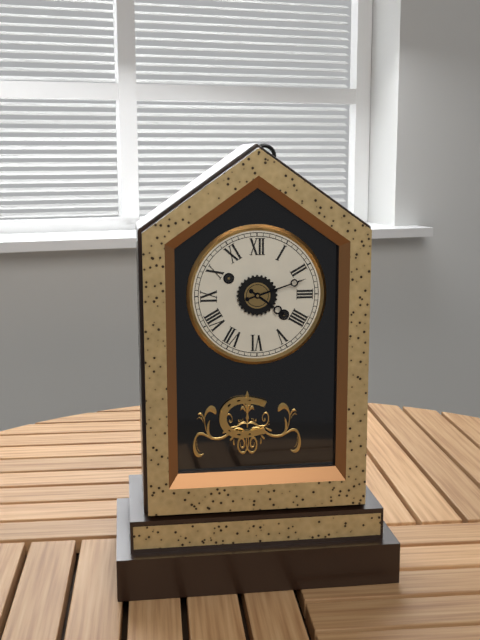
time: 4:12
